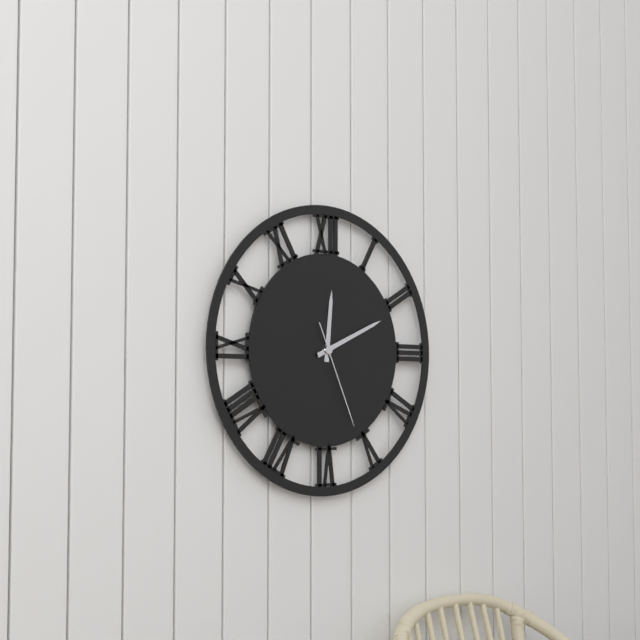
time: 12:11:26
